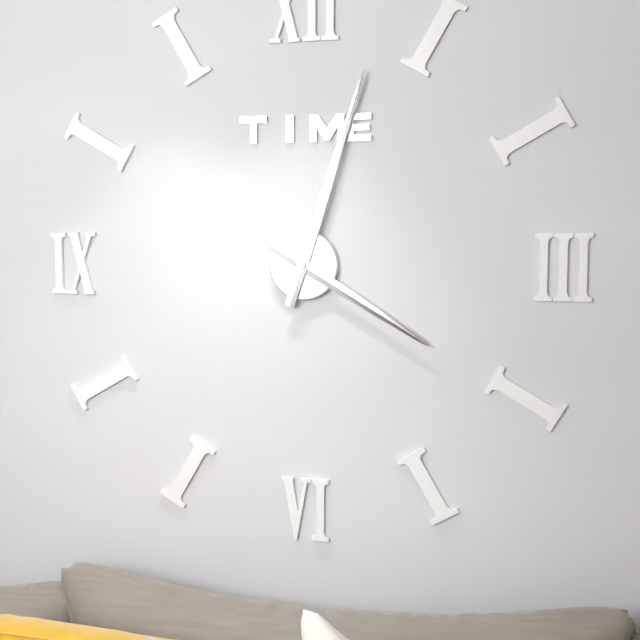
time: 4:03
